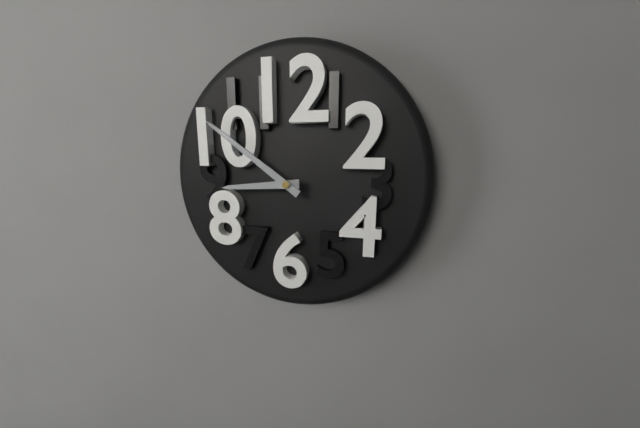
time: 8:51
